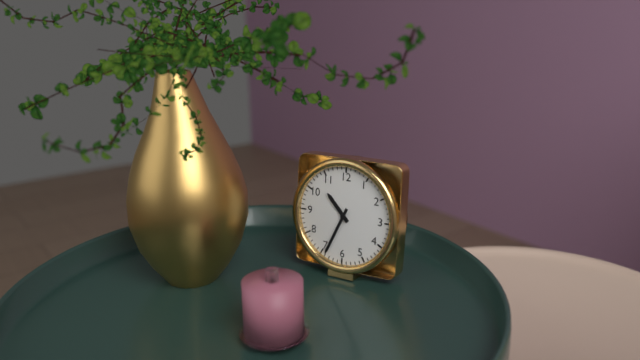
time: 10:34
